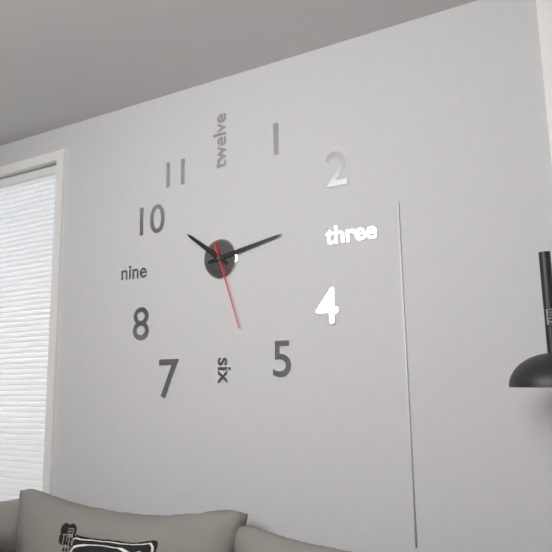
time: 10:13:27
